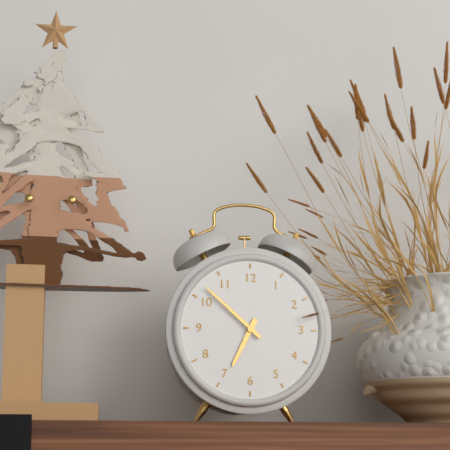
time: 6:52
